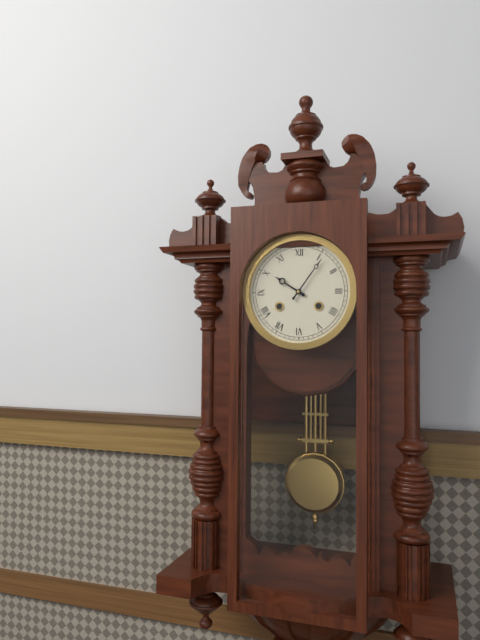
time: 10:06
